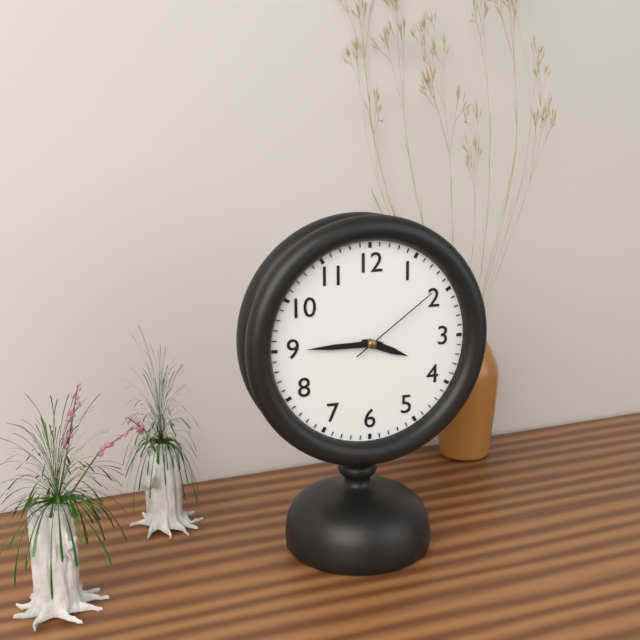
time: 3:45:09
